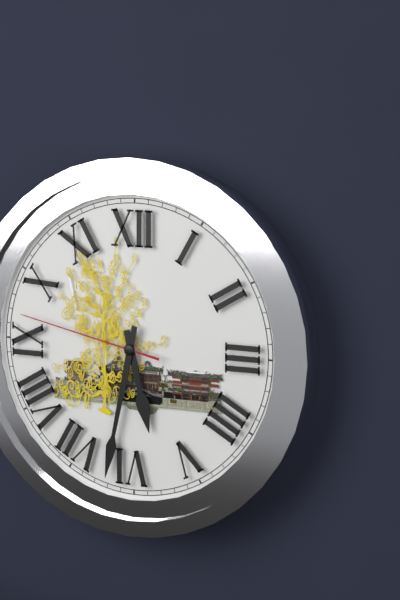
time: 5:32:47
